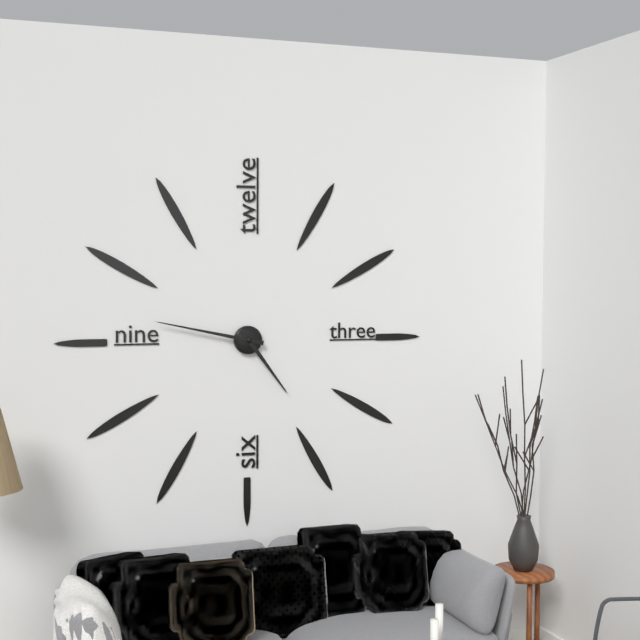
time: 4:47
